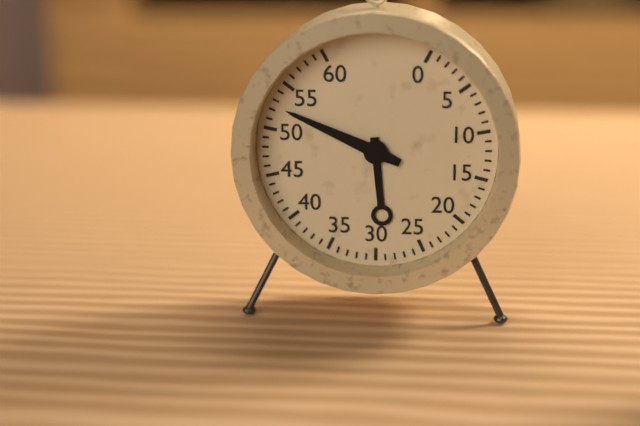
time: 5:49
